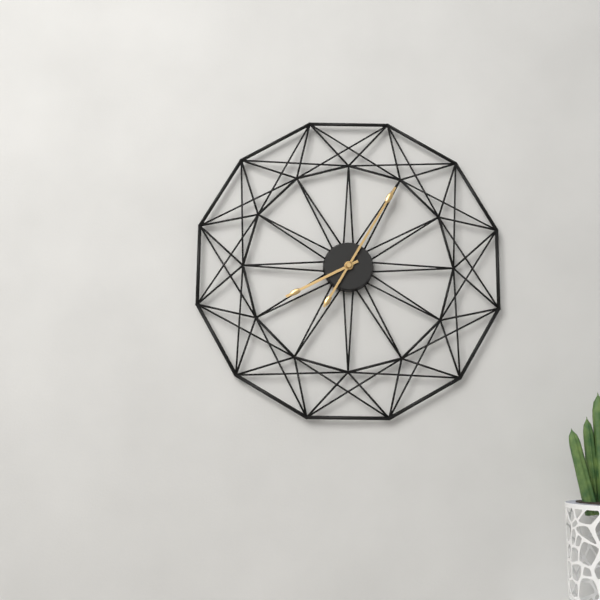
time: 8:05
